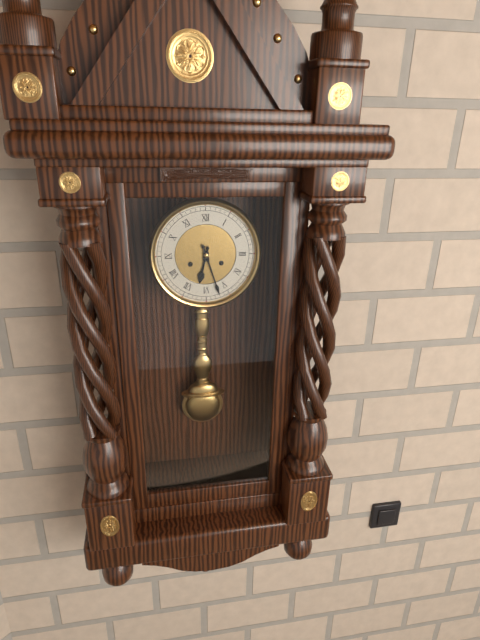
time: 6:27
